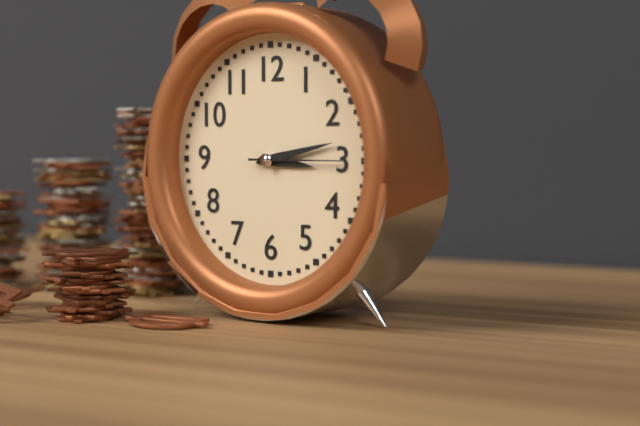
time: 3:13:15
